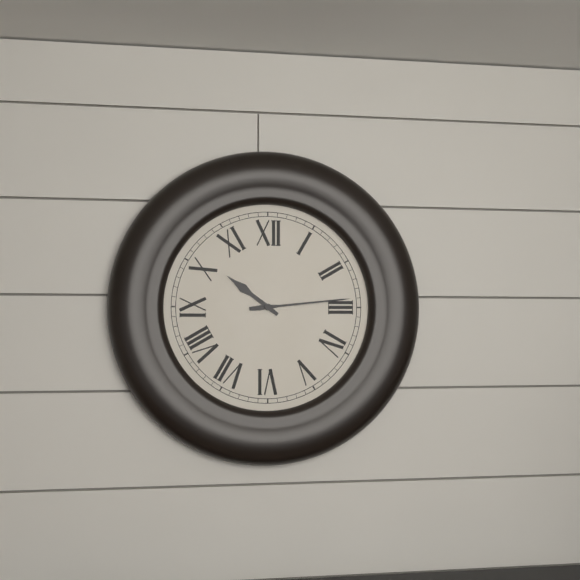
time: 10:14
